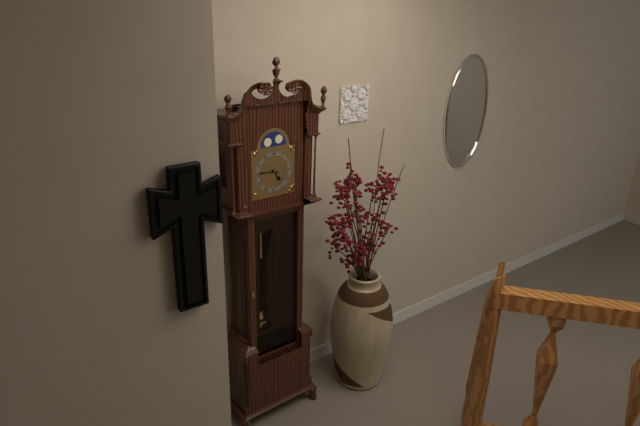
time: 4:46
